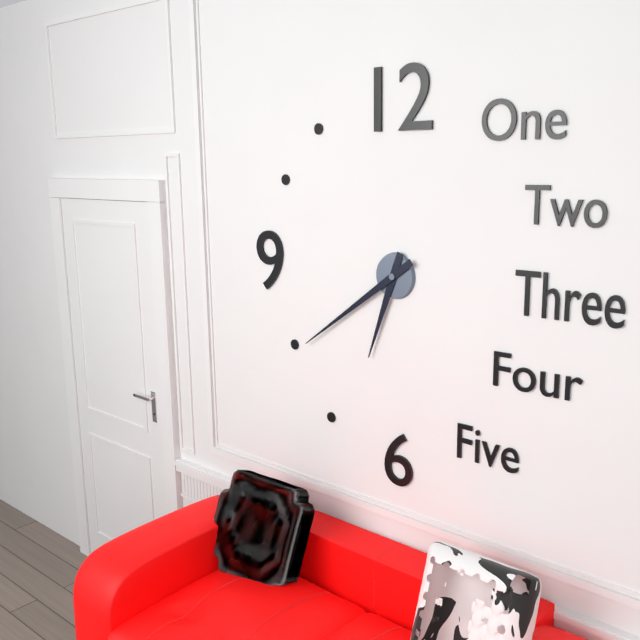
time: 6:39
